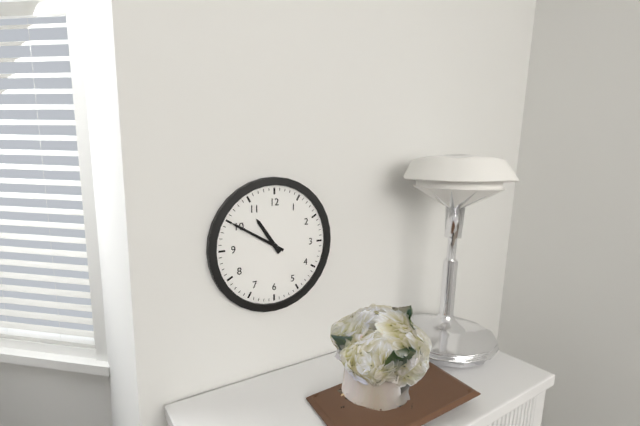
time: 10:50
